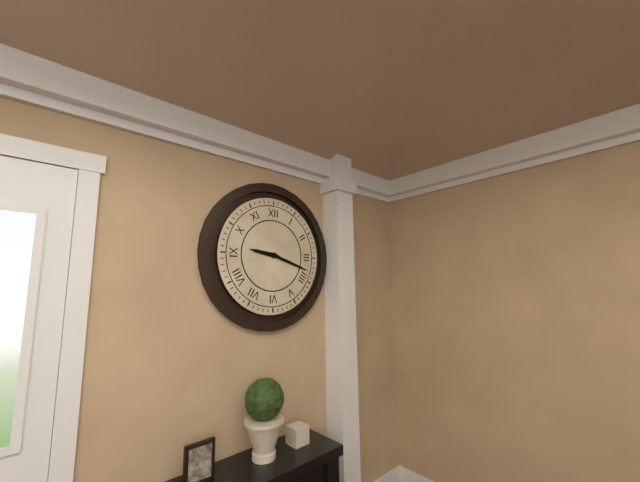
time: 9:18
